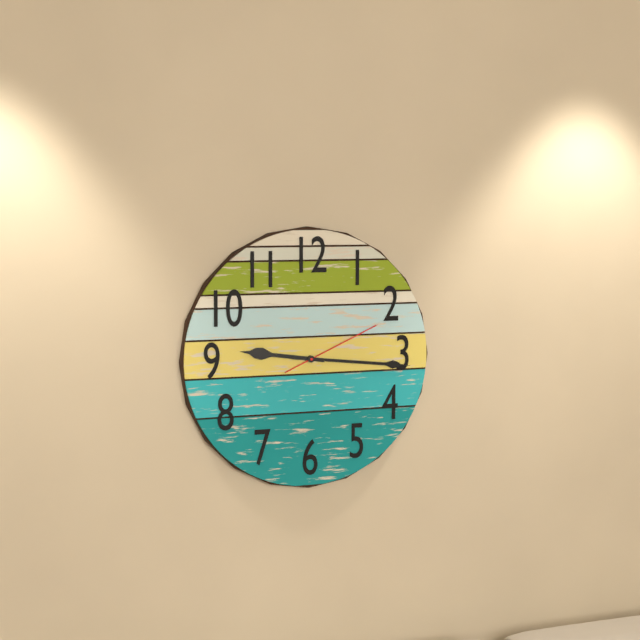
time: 9:16:11
